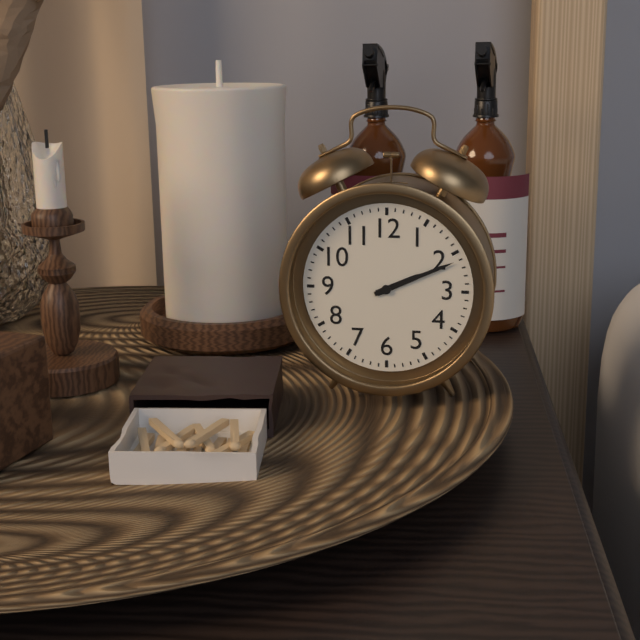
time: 2:11
